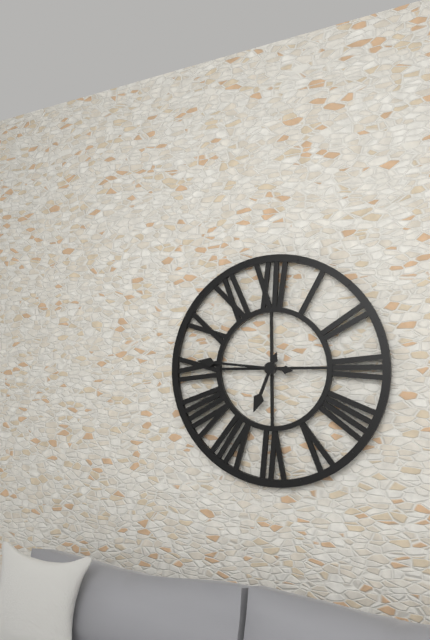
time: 6:46
